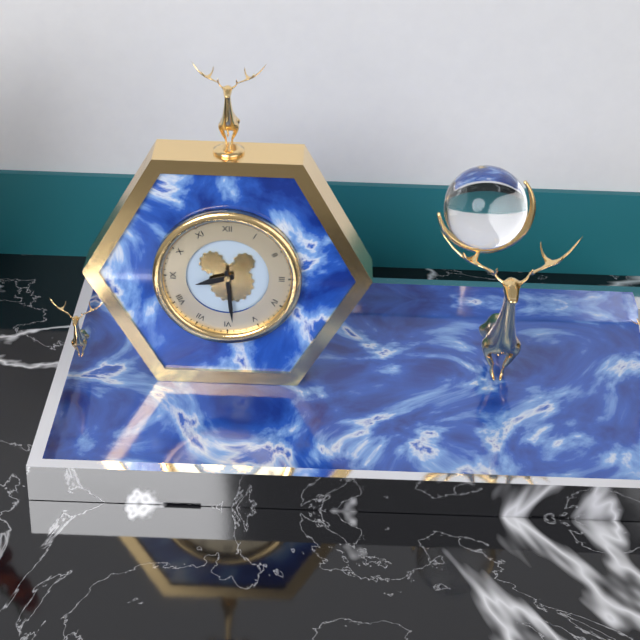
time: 8:29
